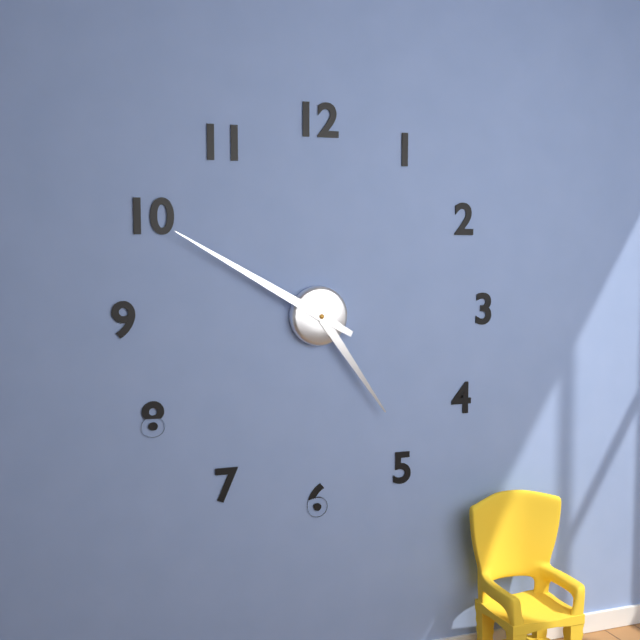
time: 4:50
